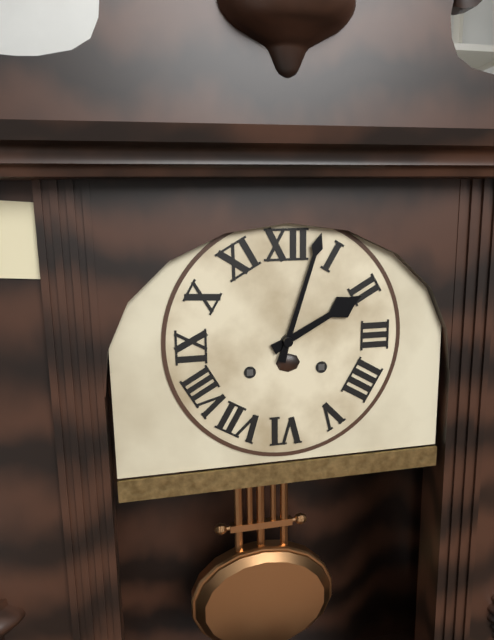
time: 2:03
